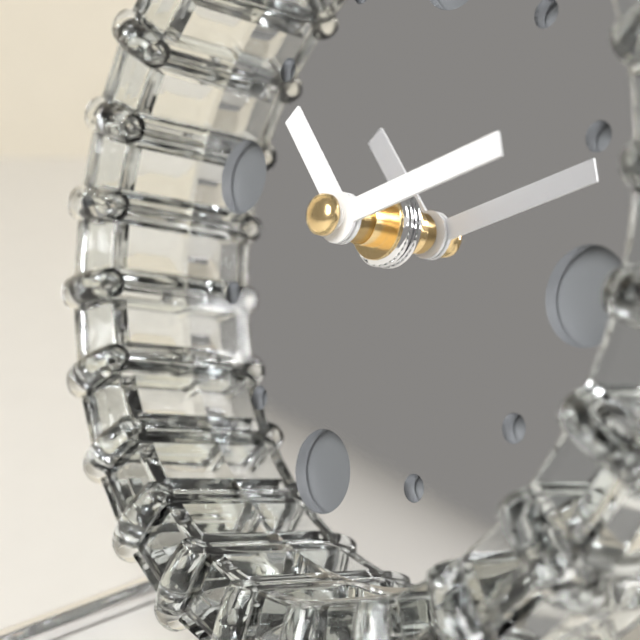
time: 10:10
